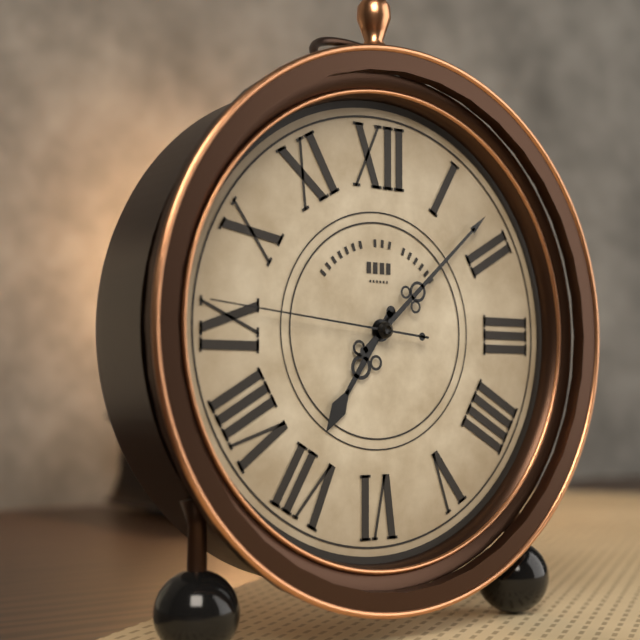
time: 7:08:46
